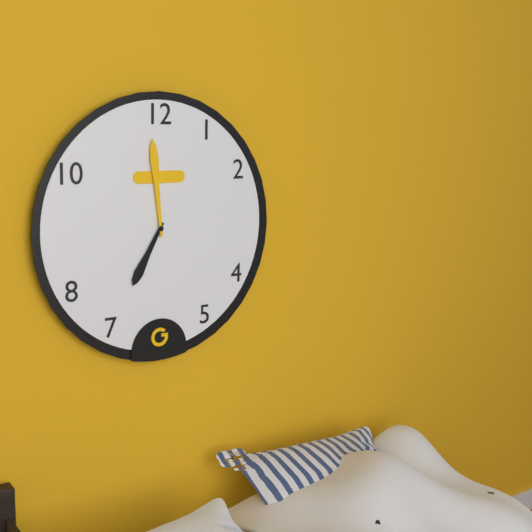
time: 6:59
